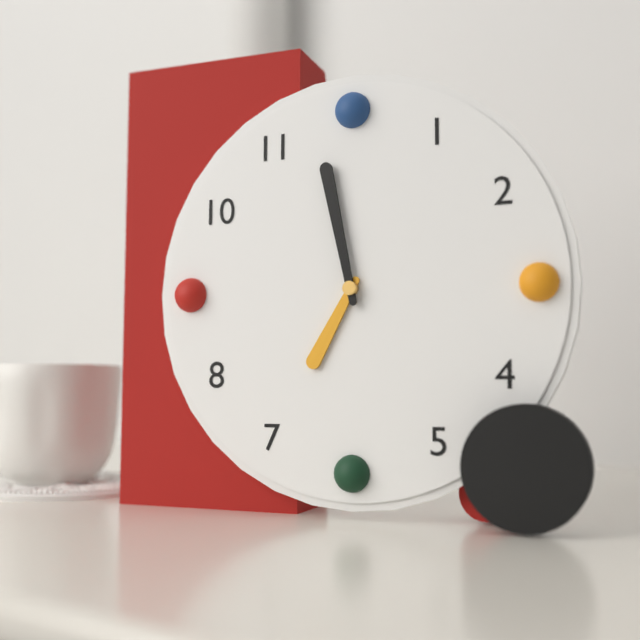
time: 6:58
